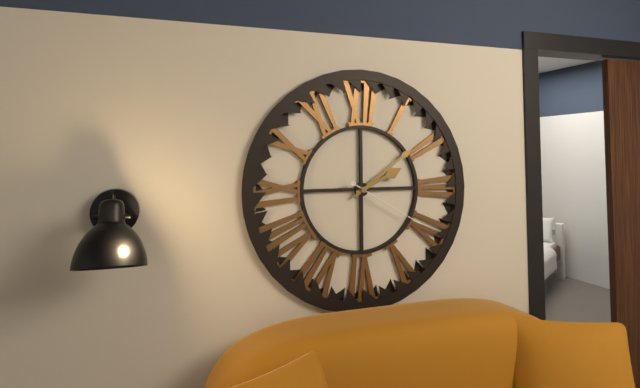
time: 2:09:20
